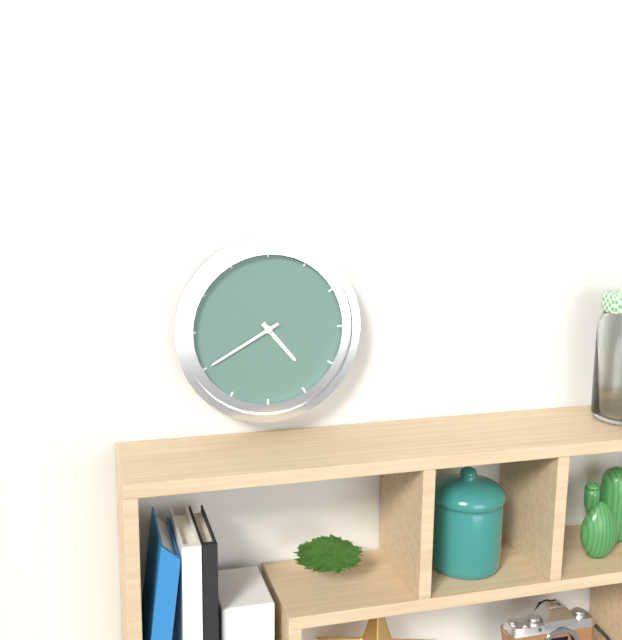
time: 4:40
